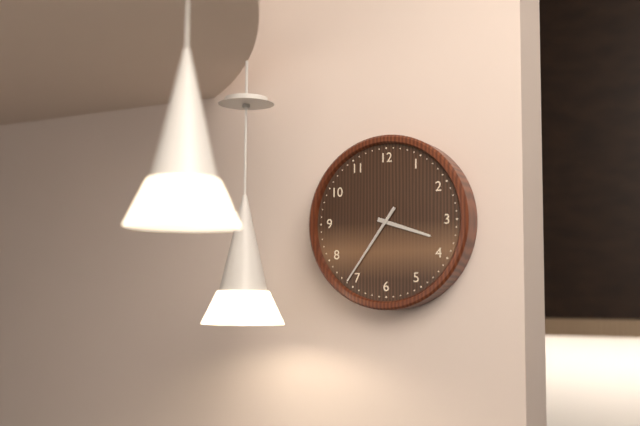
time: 3:36
